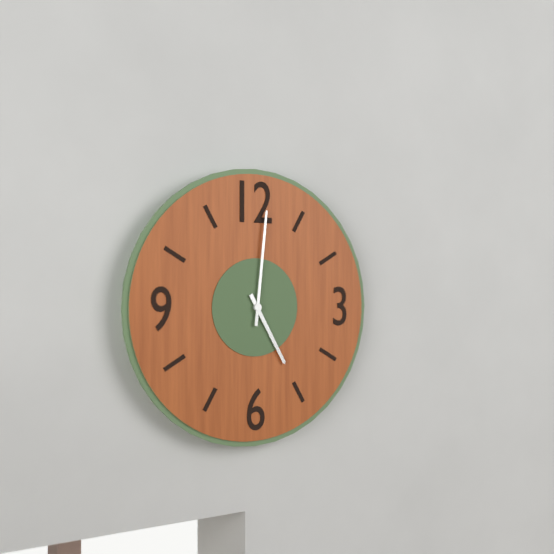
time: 5:01
